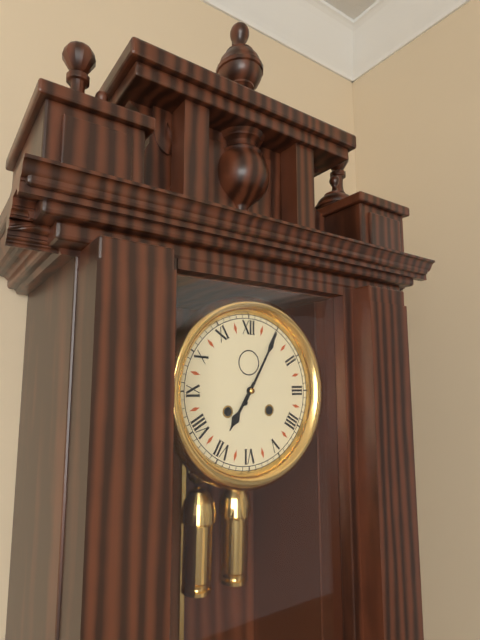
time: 7:05
